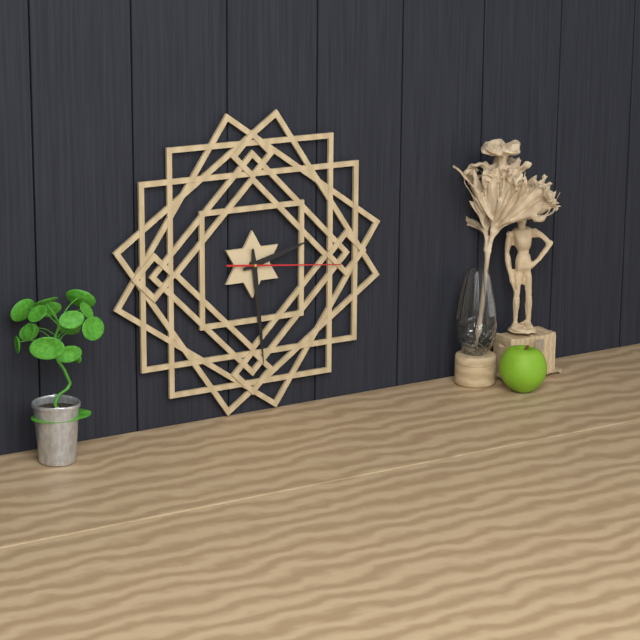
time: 2:29:16
